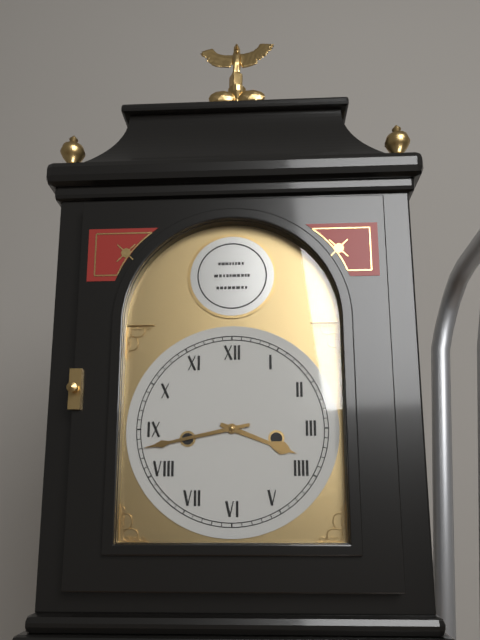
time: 3:43
